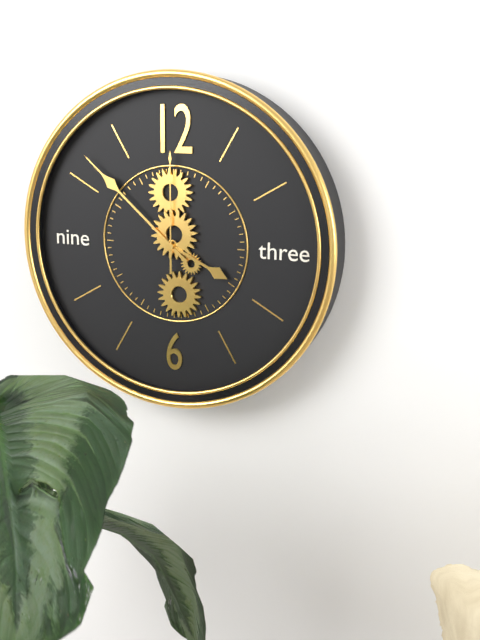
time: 3:52:00
